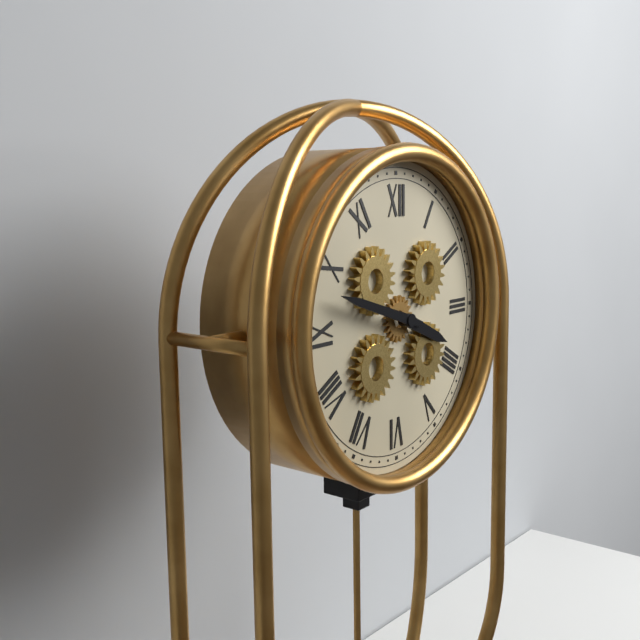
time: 3:48
